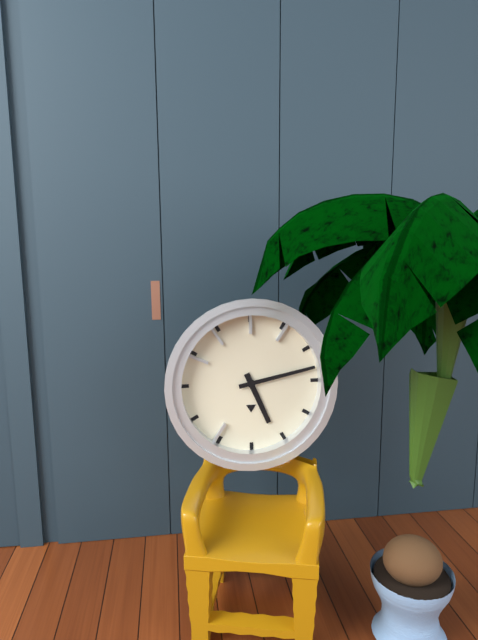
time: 5:13
